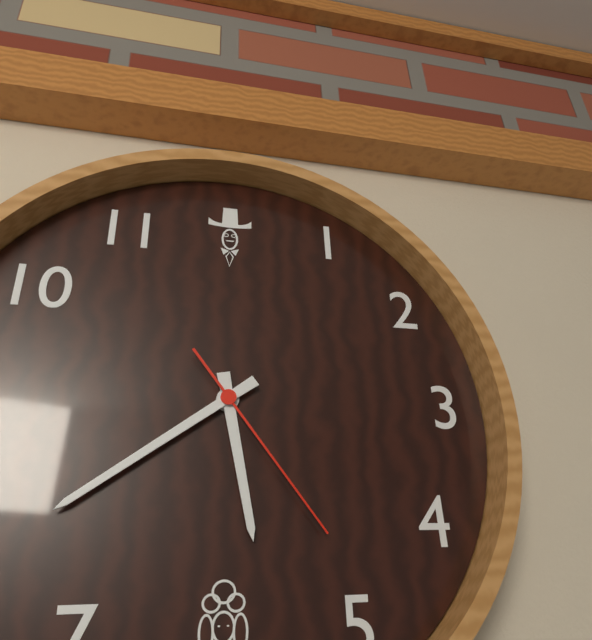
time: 5:39:24
